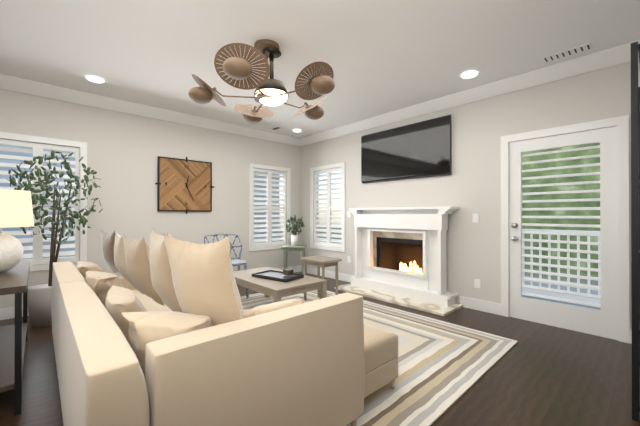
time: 12:26
